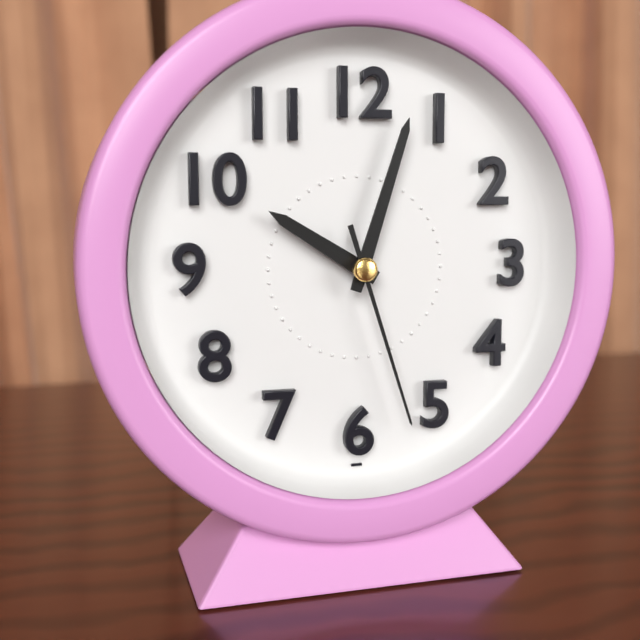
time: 10:03:27
